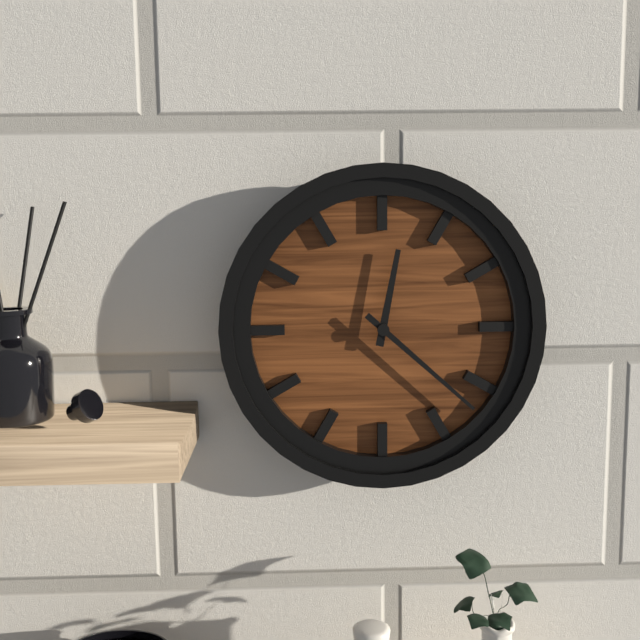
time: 12:22
